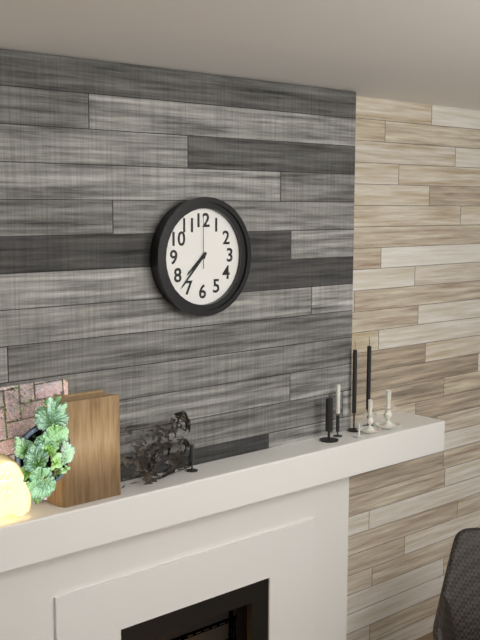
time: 7:37:00
